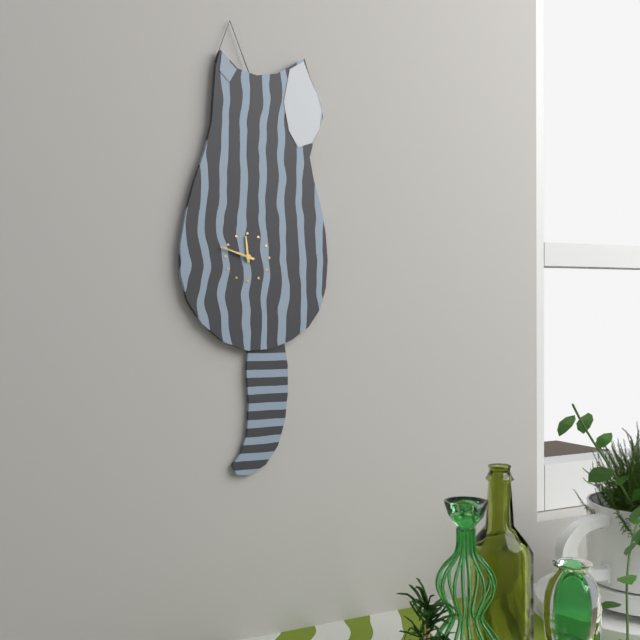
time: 11:48
